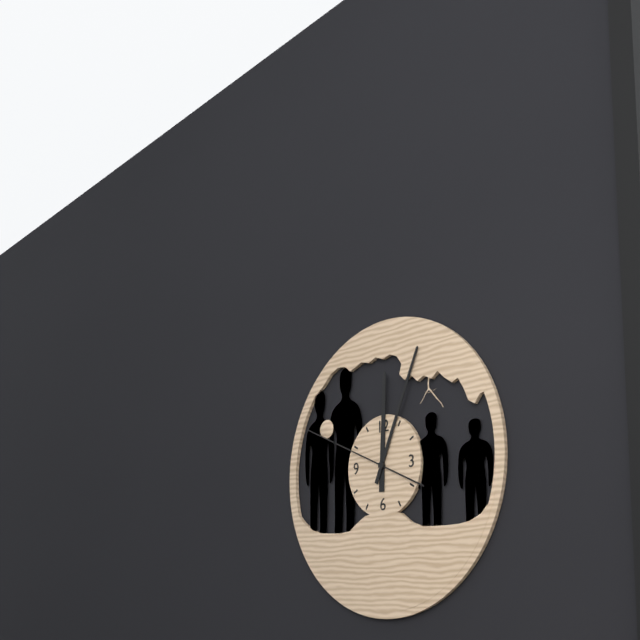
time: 12:04:49
